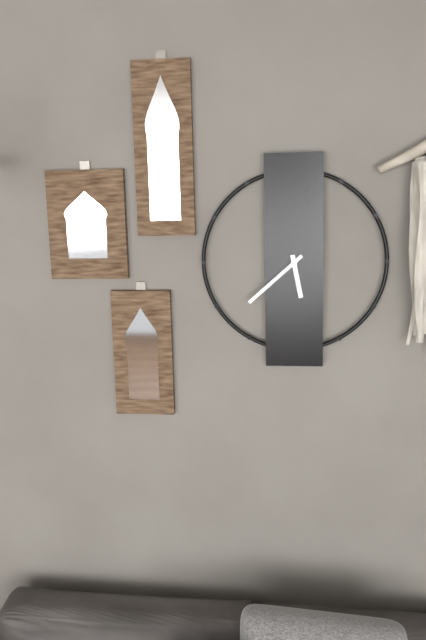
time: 5:38
